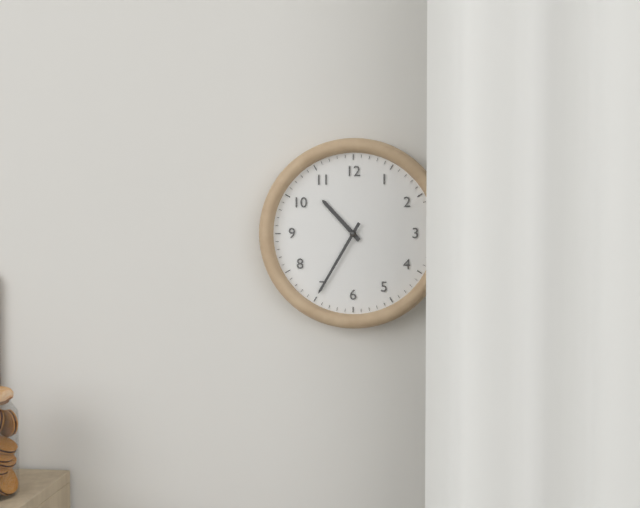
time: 10:35
